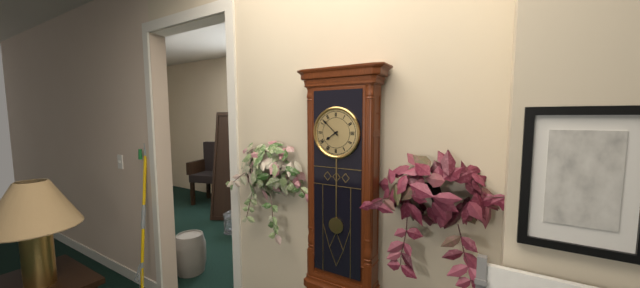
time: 7:52
